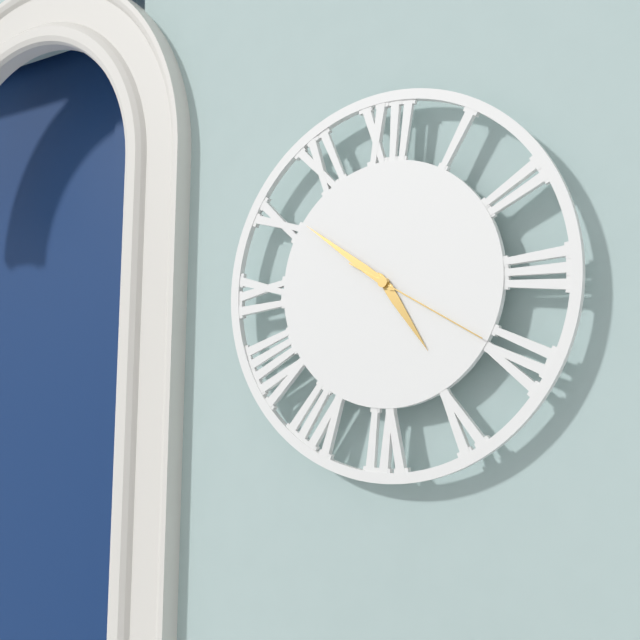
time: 4:51:20
